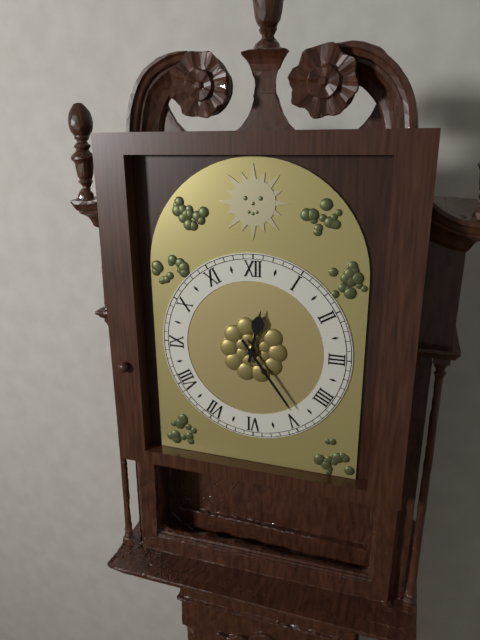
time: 12:24
